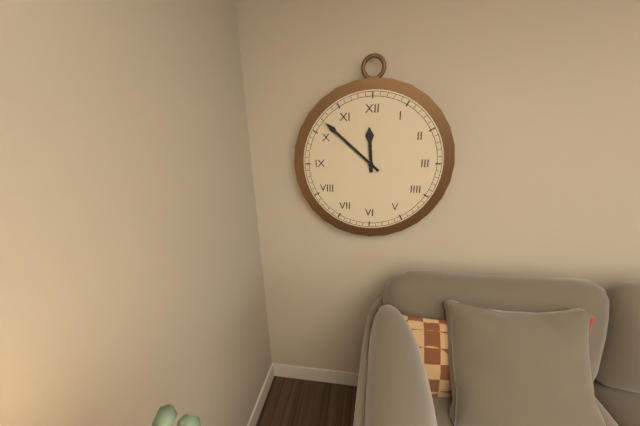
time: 11:52
